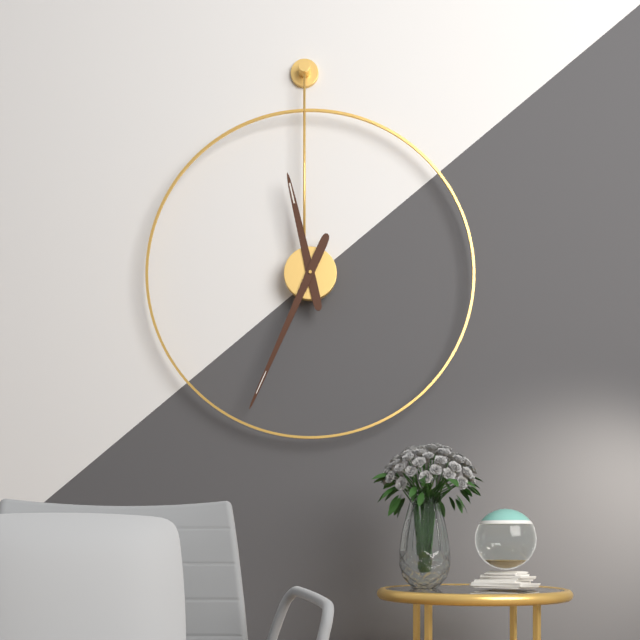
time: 11:34
